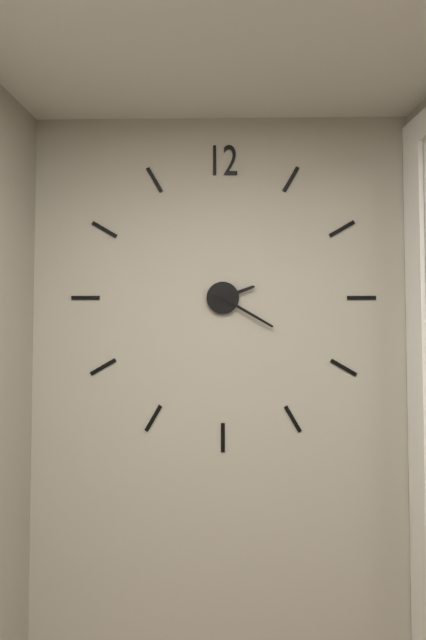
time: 2:20
